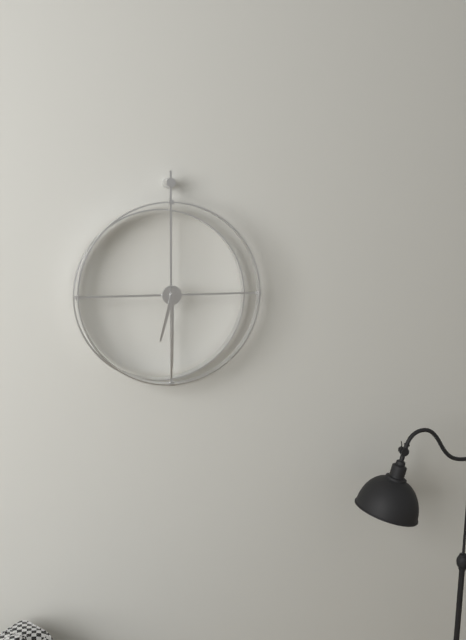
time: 6:30
